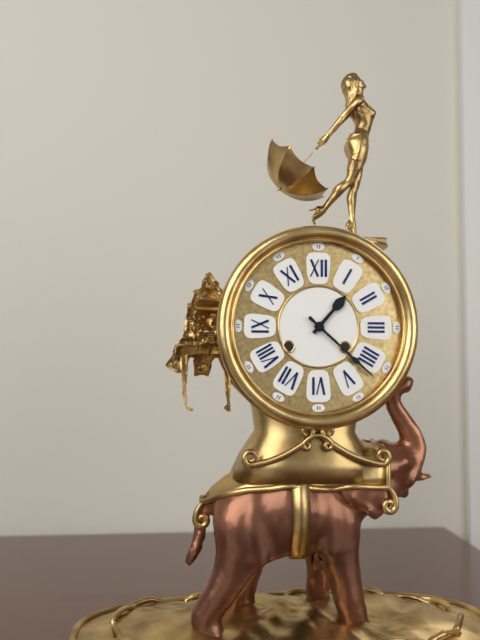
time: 1:22
